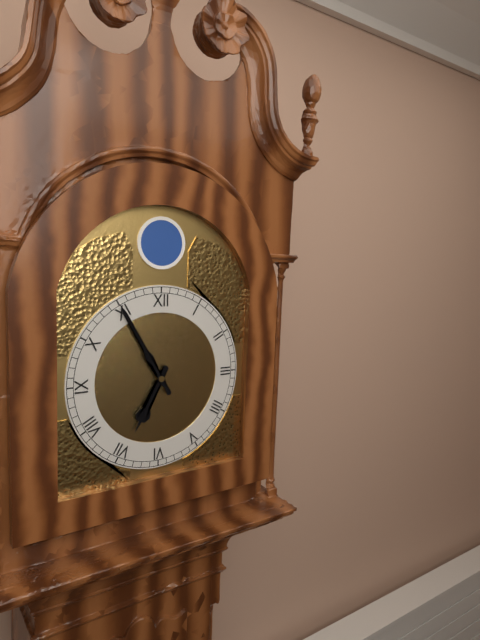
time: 6:55
